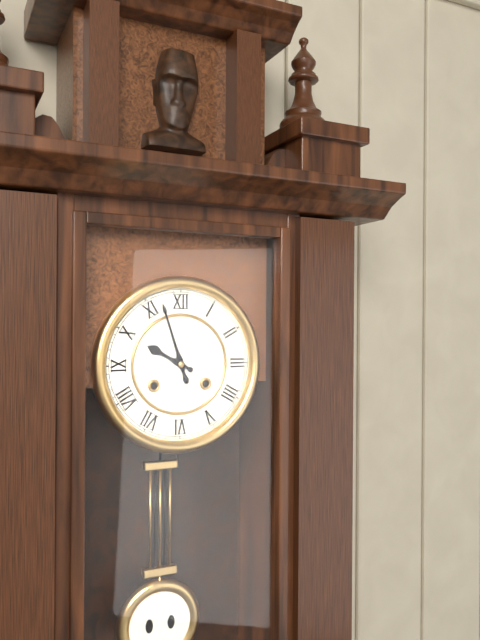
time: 9:57
